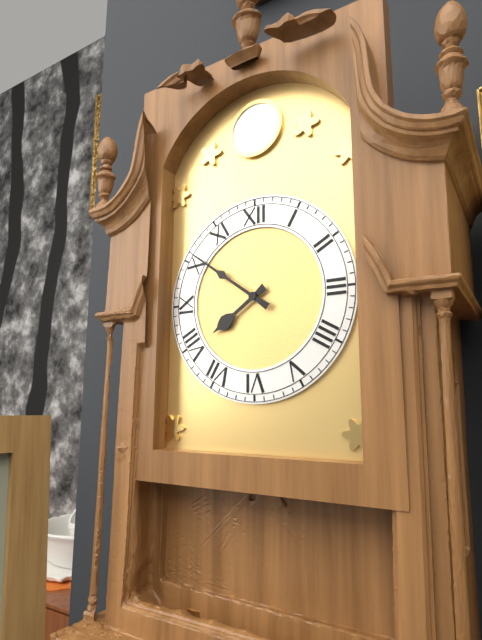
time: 7:51
